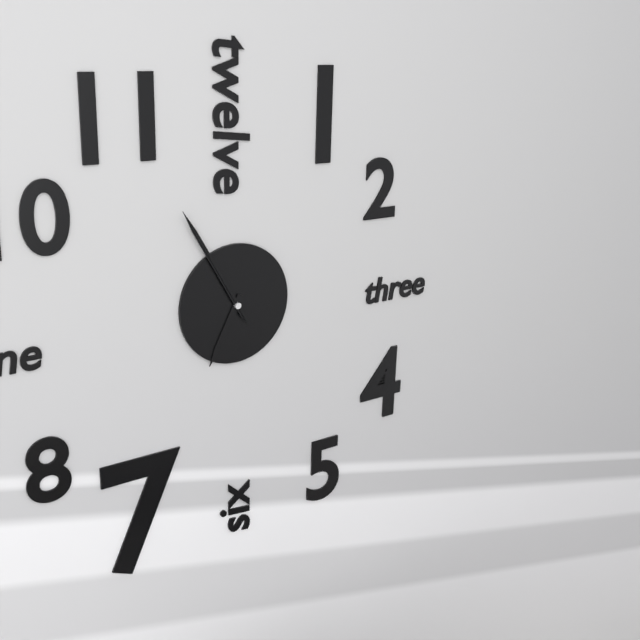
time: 6:55:55
